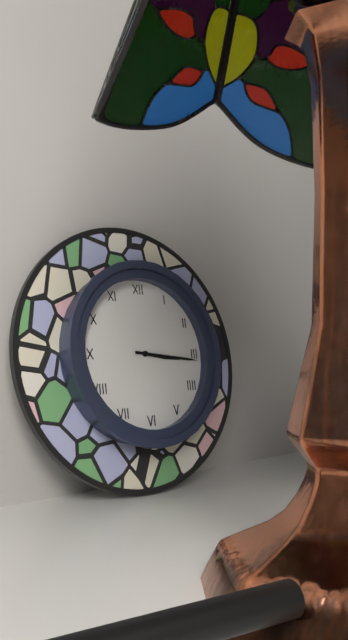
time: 3:16
